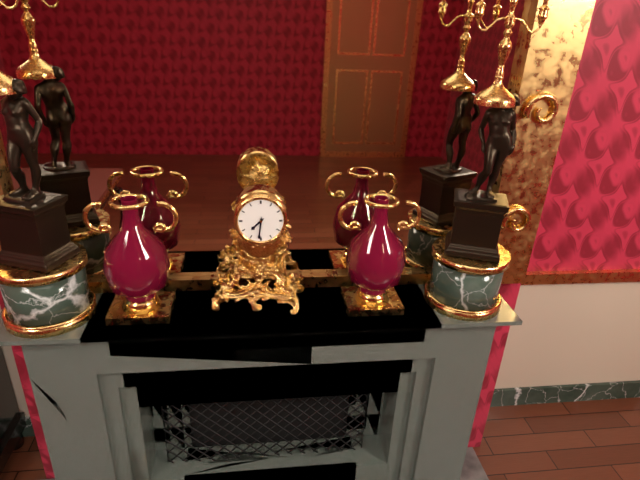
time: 7:31
